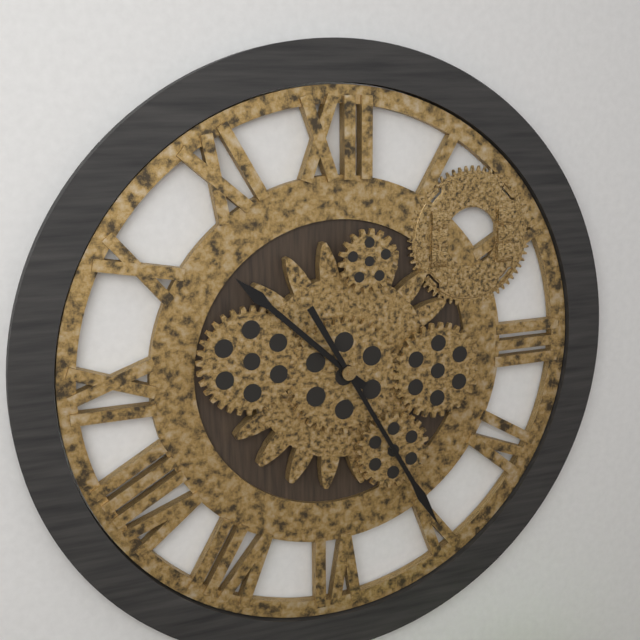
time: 10:25
